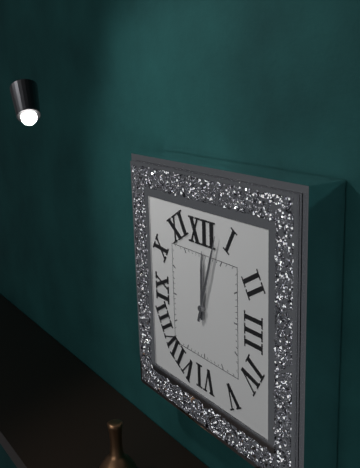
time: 12:03
